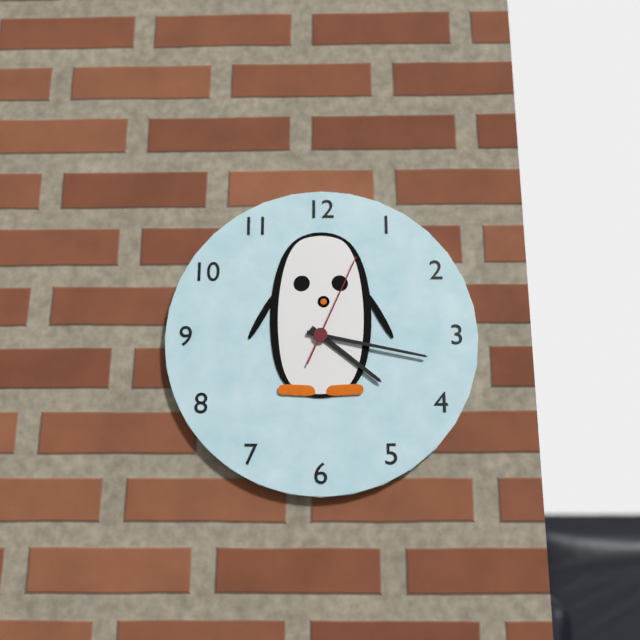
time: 4:17:04
